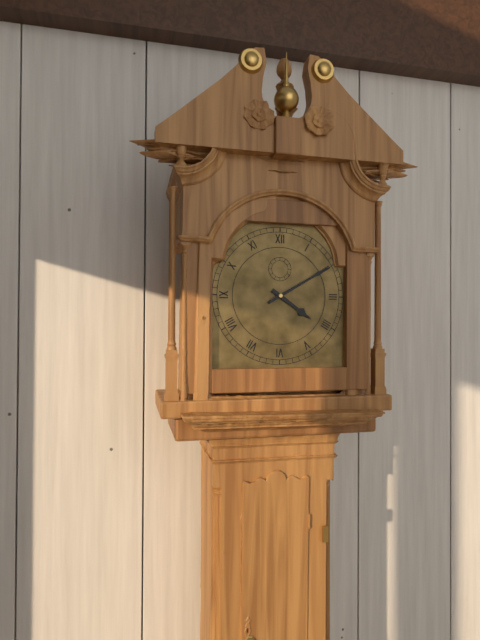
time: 4:10
